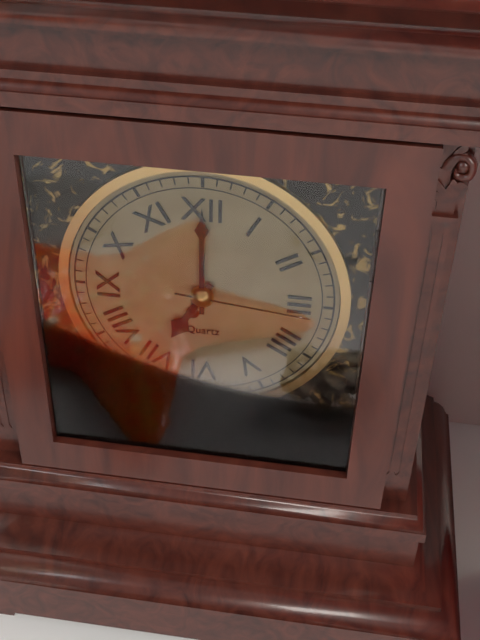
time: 7:00:16
